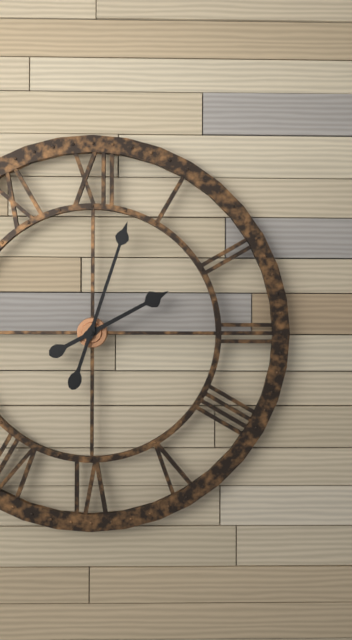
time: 2:03
